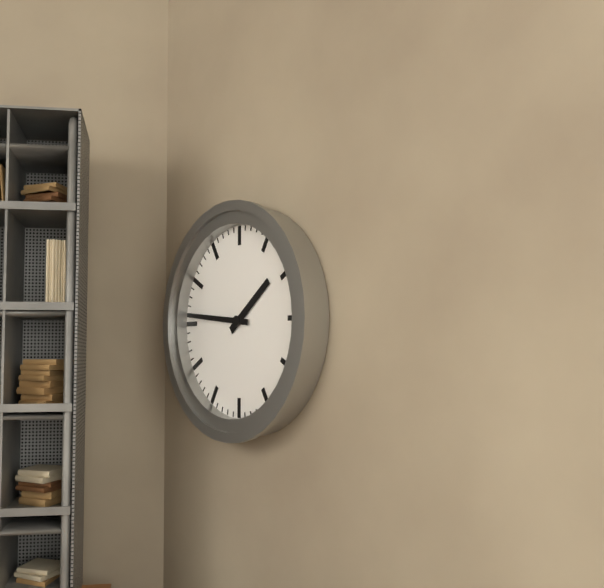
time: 1:46
